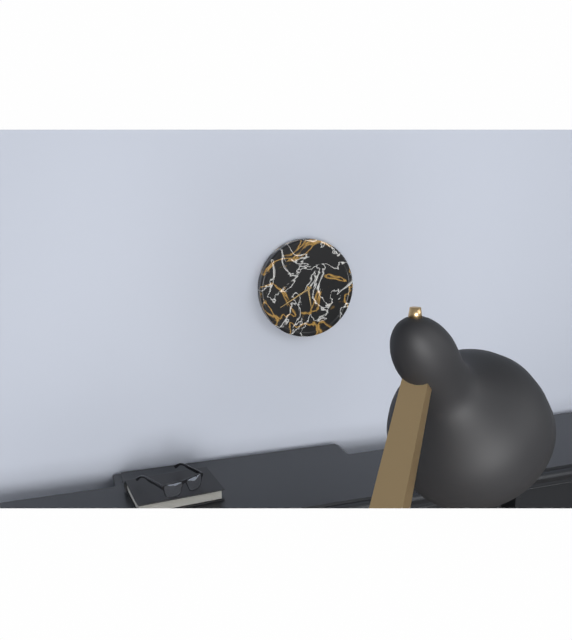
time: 5:40
